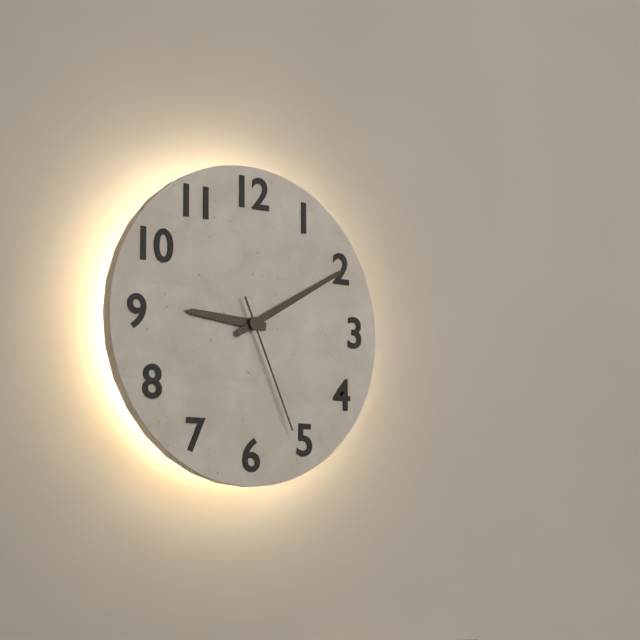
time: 9:10:26
